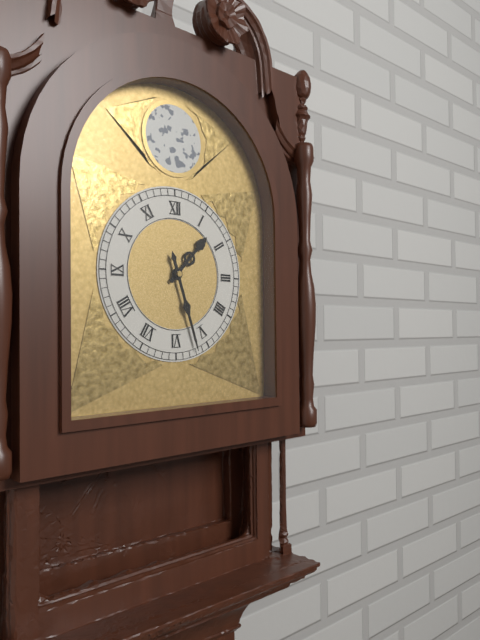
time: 1:27
